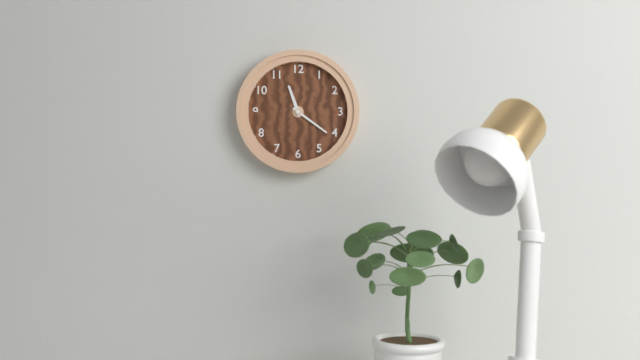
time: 11:21
